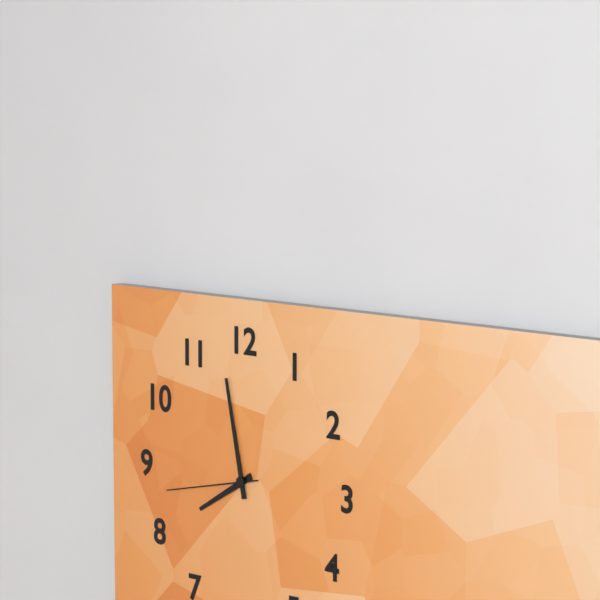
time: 7:58:43
